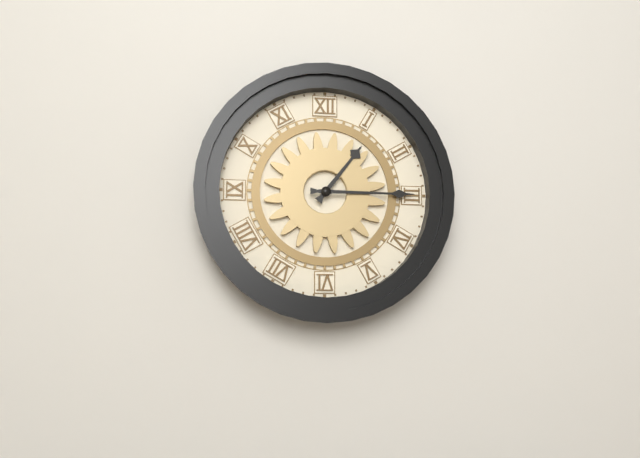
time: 1:15
